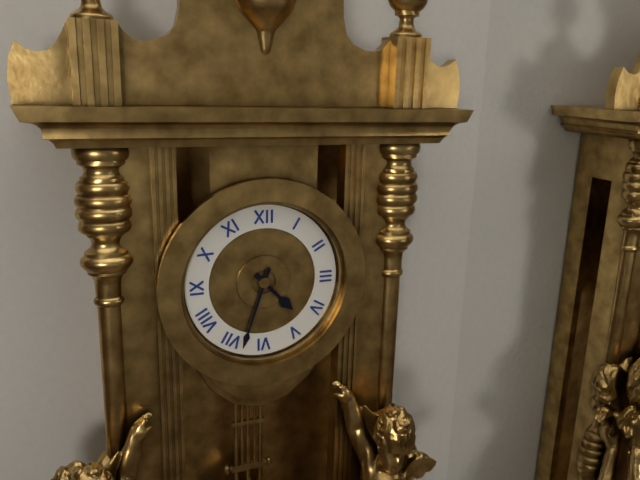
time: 4:33
